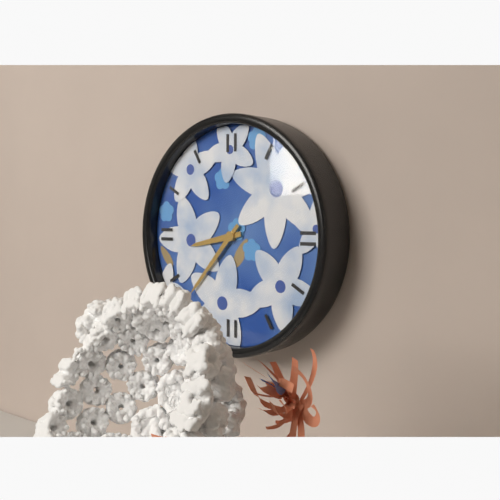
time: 8:37
